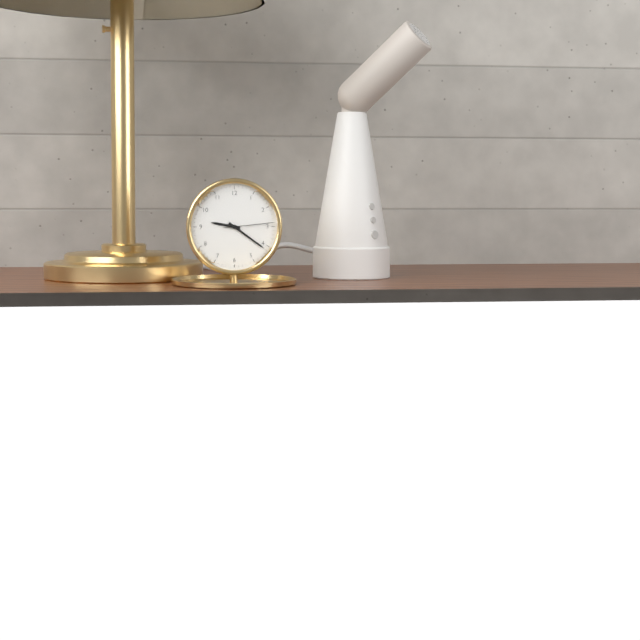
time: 9:21
